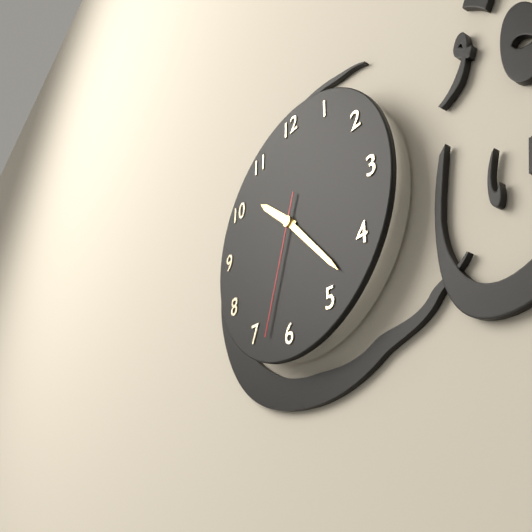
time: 10:23:33
